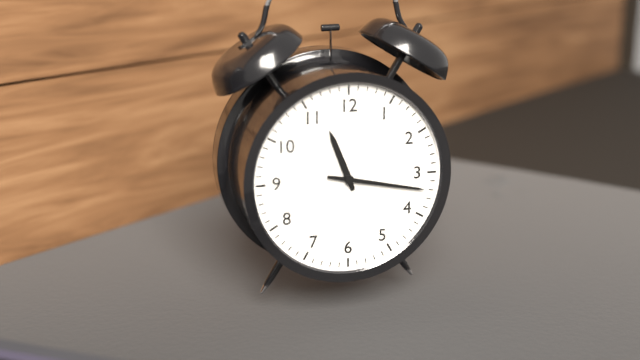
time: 11:17
